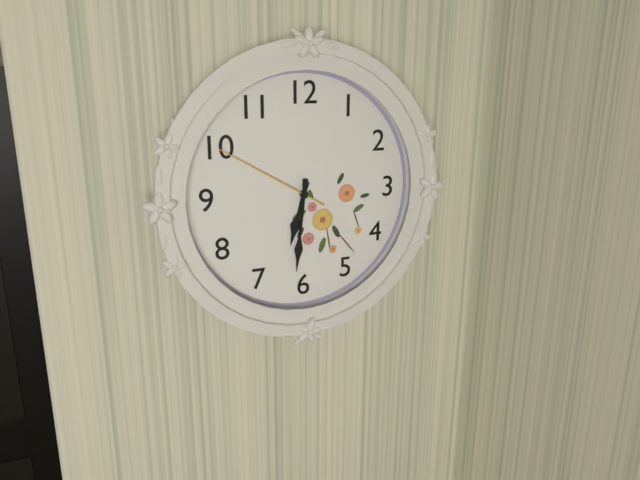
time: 6:31:50
